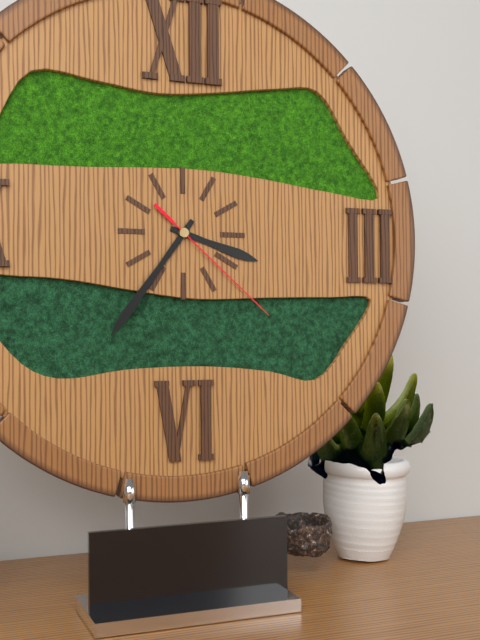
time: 3:36:22
